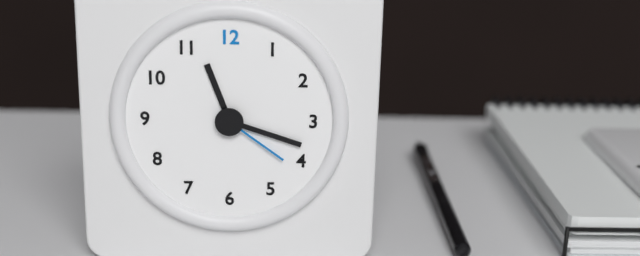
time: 11:18:21
